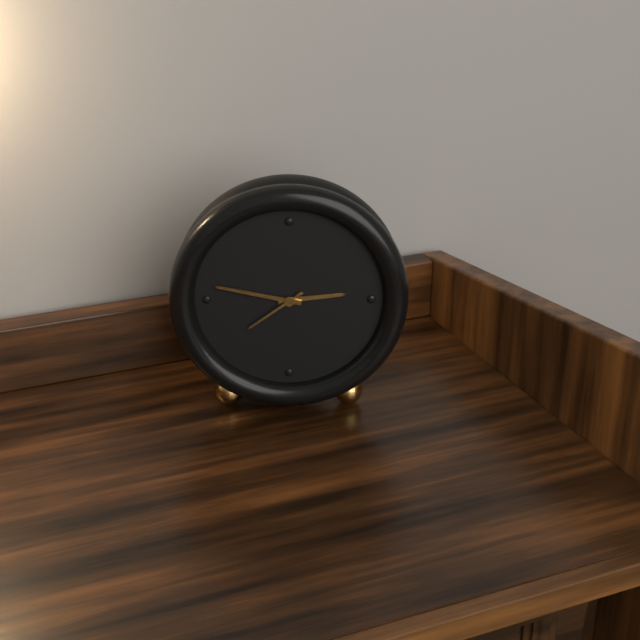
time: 2:47:39
